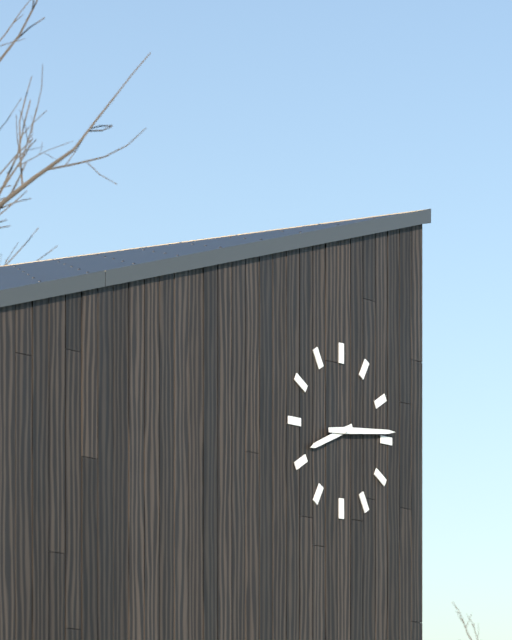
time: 8:14
